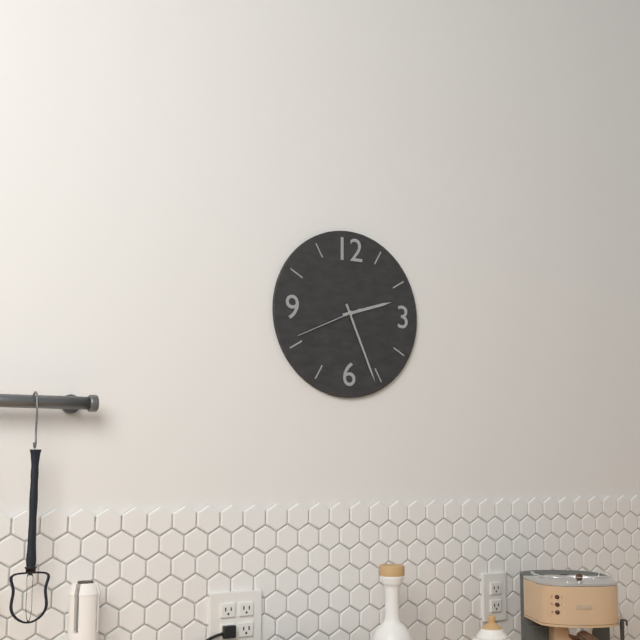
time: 2:26:41
